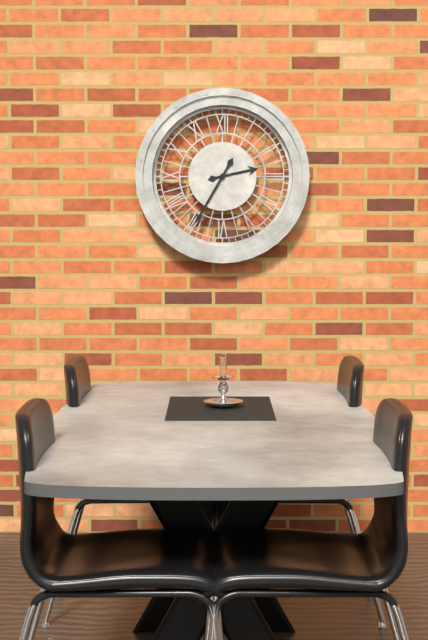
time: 2:35
